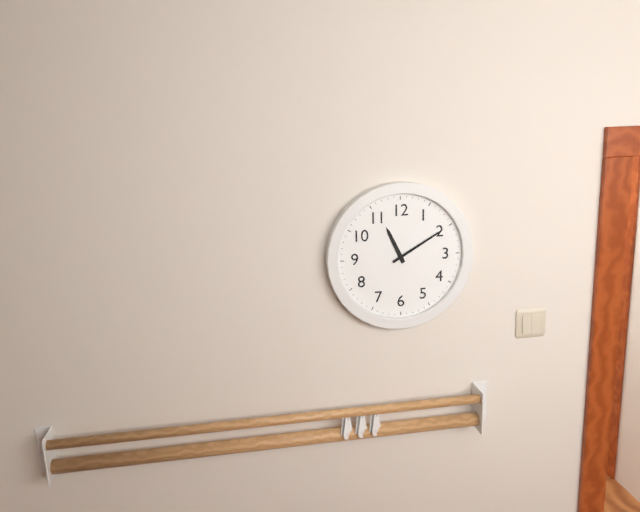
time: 11:10
